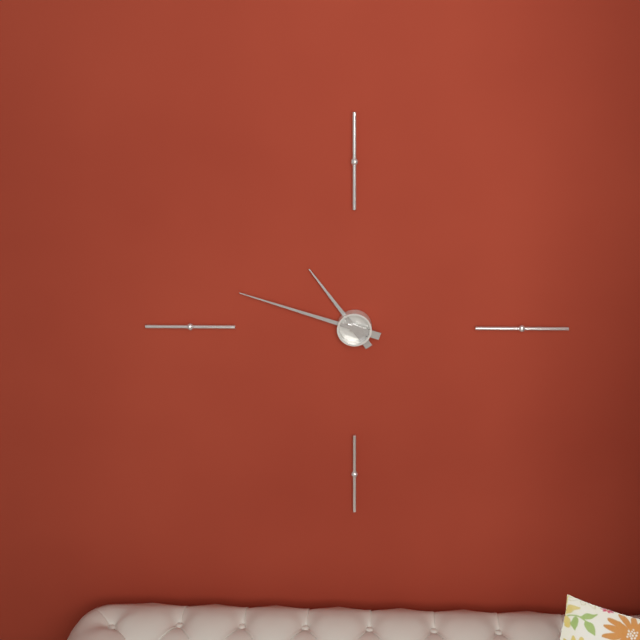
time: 10:48
